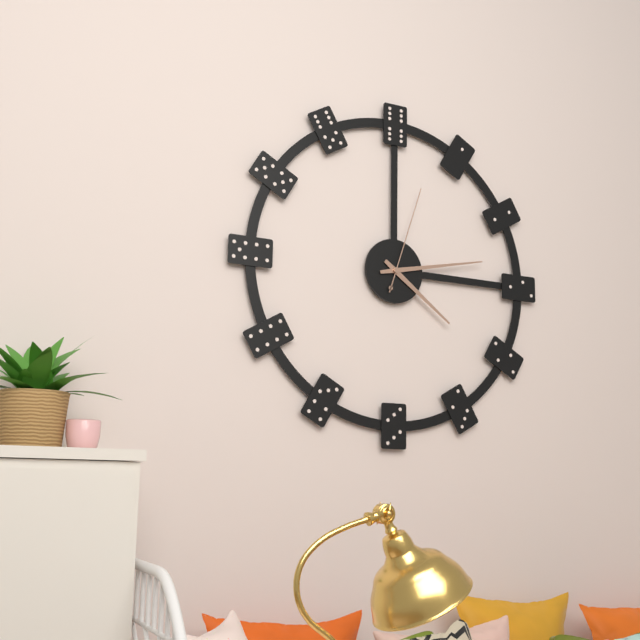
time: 4:13:03
